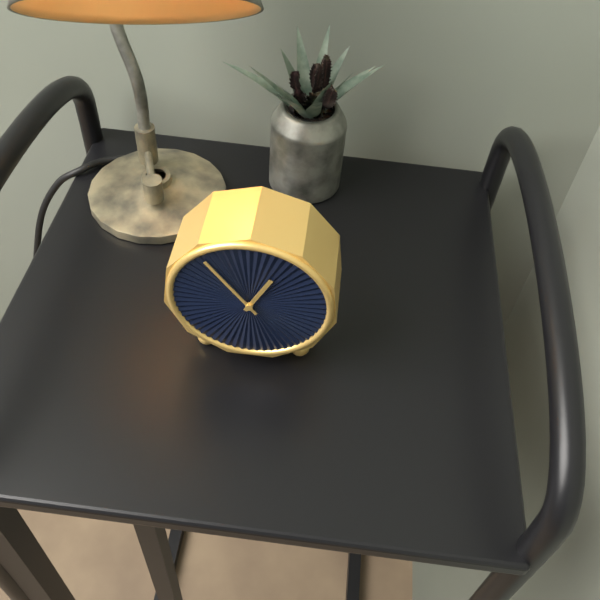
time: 12:54
